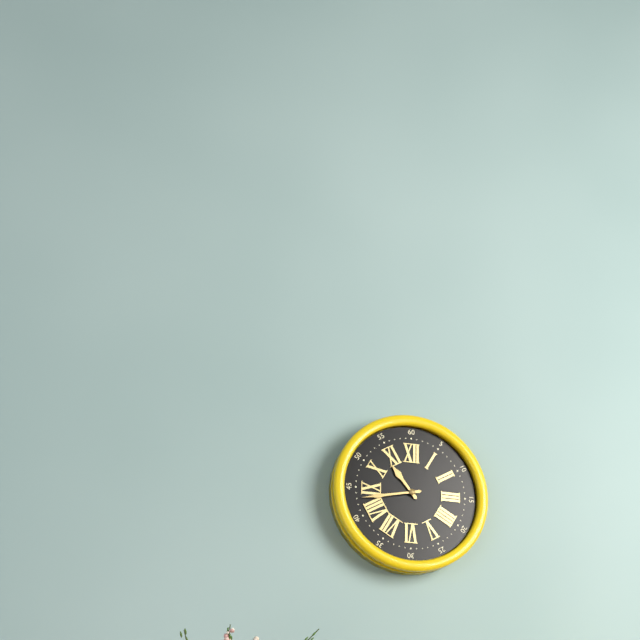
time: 10:43
